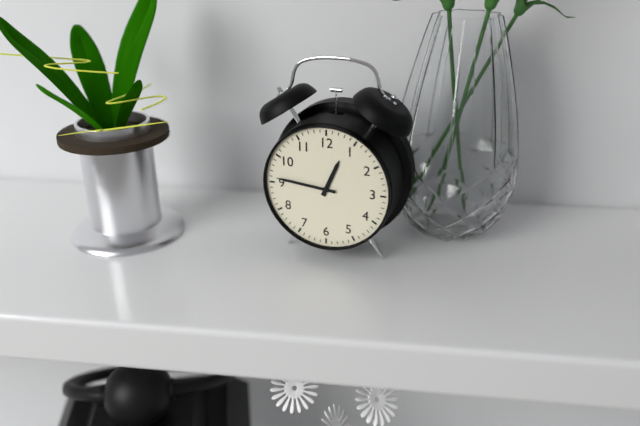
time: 12:46
